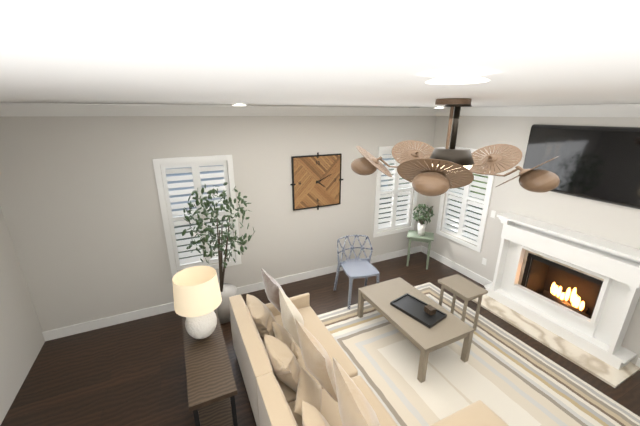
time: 4:11
